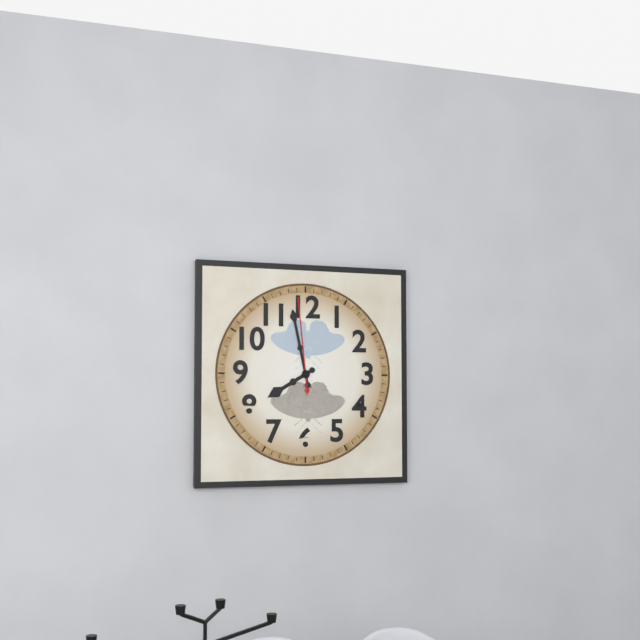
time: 7:58:59
